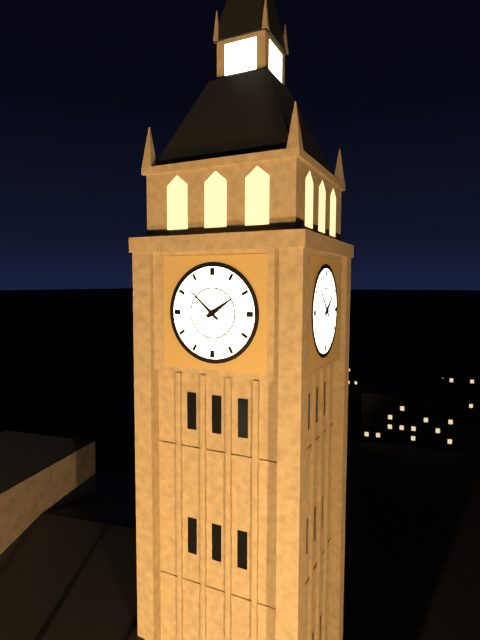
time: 1:52
